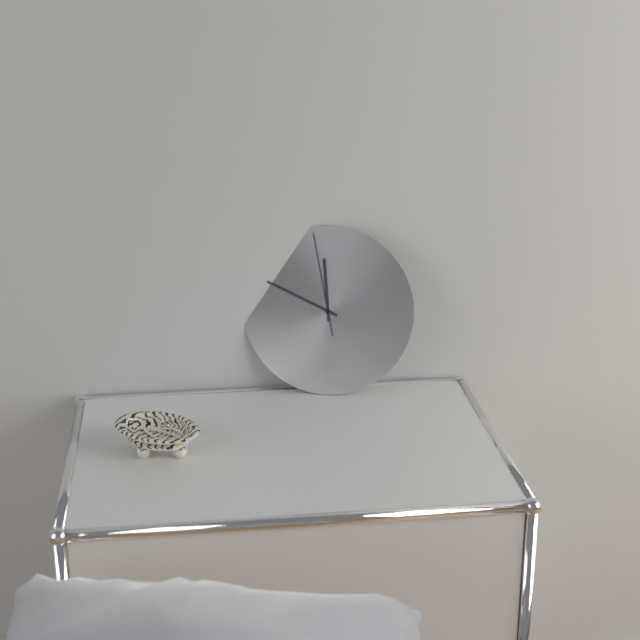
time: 11:49:58
